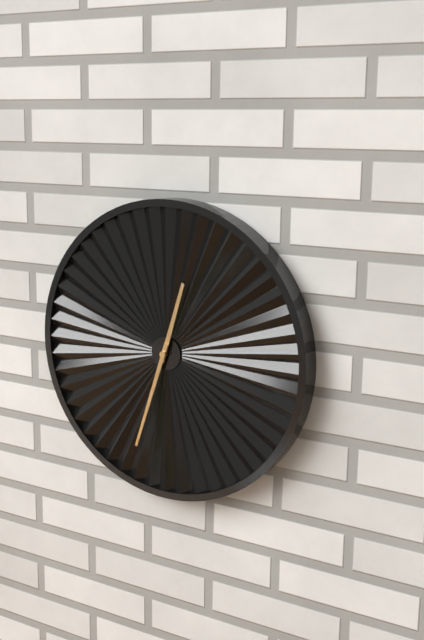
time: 12:33
